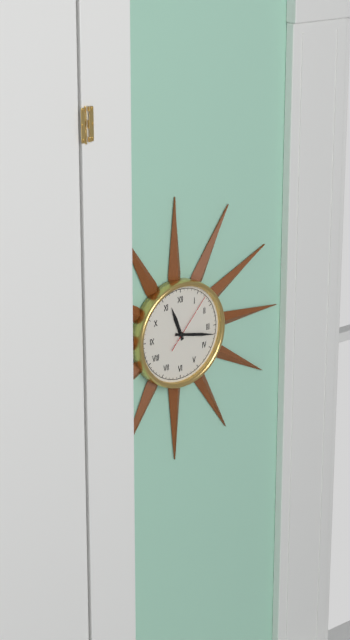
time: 11:17:07
